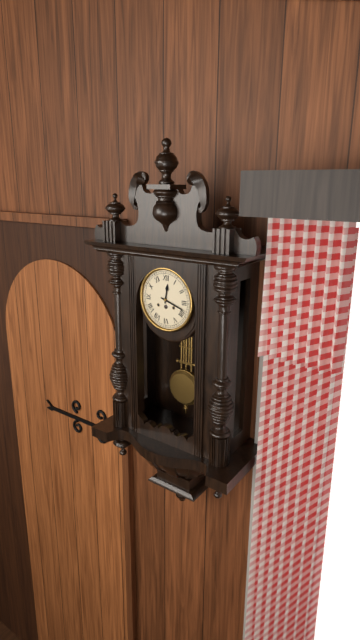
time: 12:18
